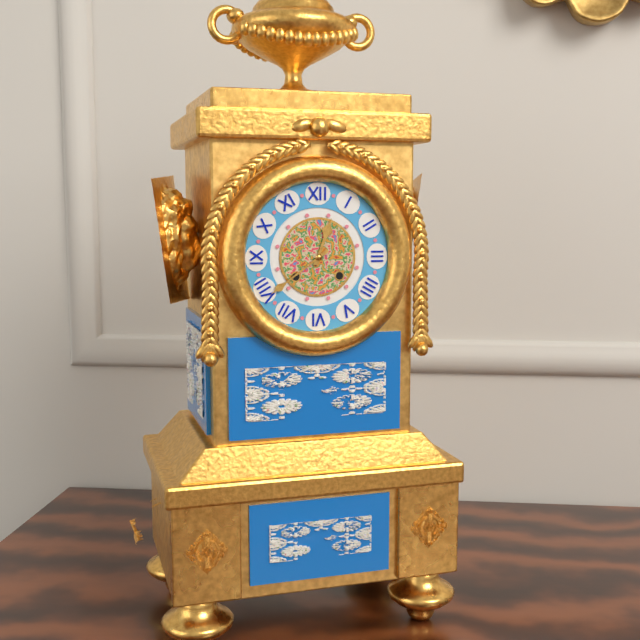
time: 12:39
